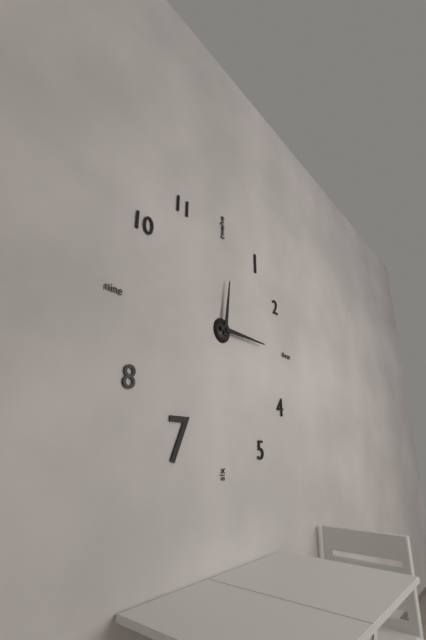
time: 12:15
